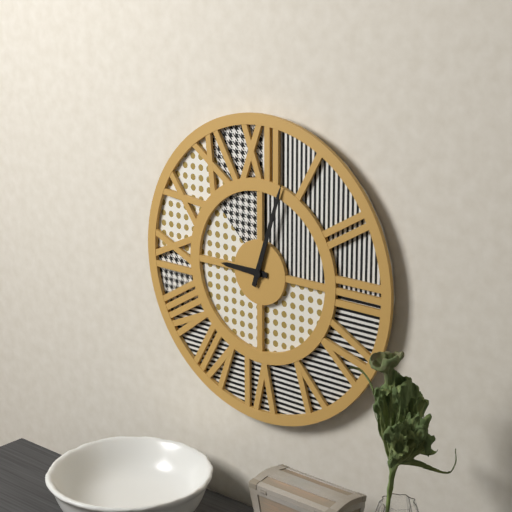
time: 9:03
